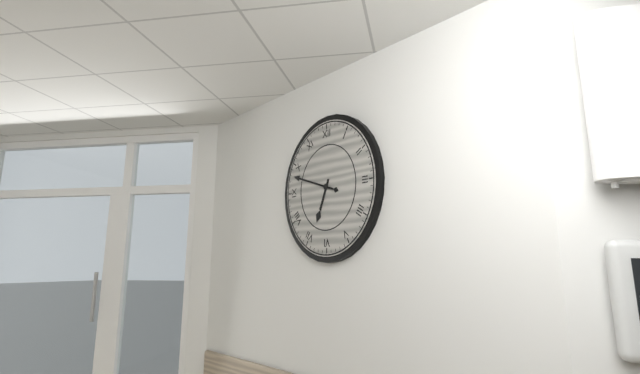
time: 6:48
